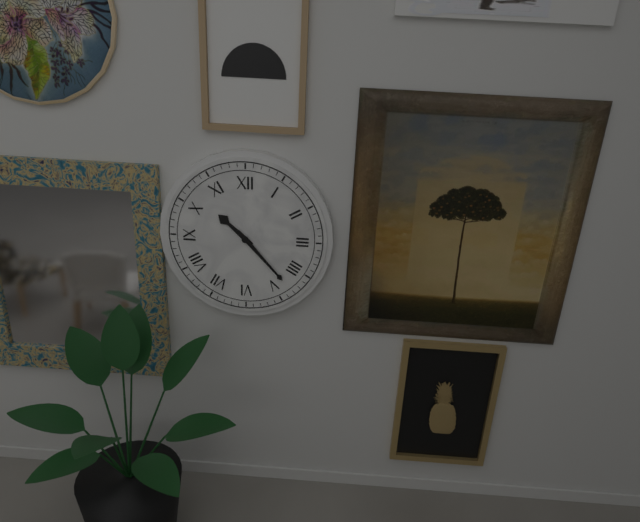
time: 10:23
